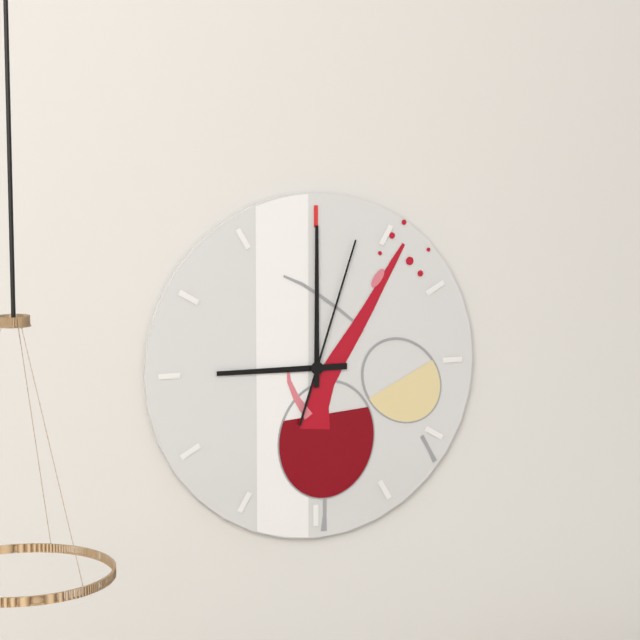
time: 9:00:03
